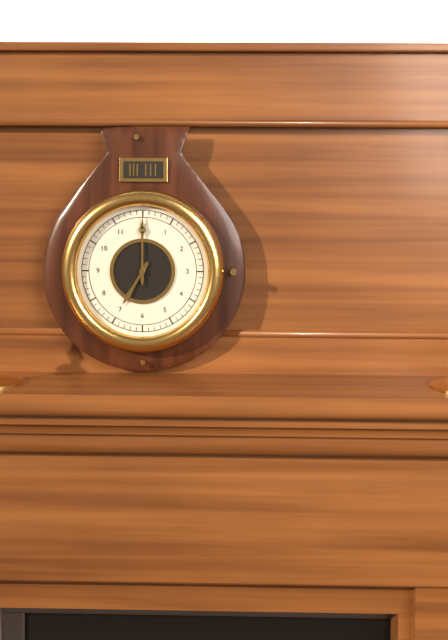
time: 7:00
